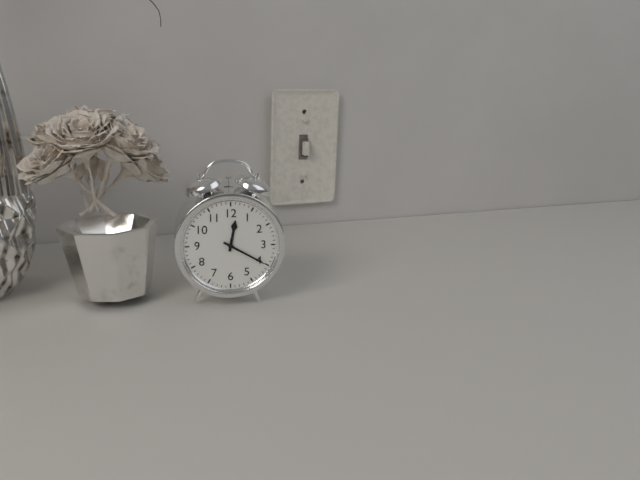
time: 12:20
